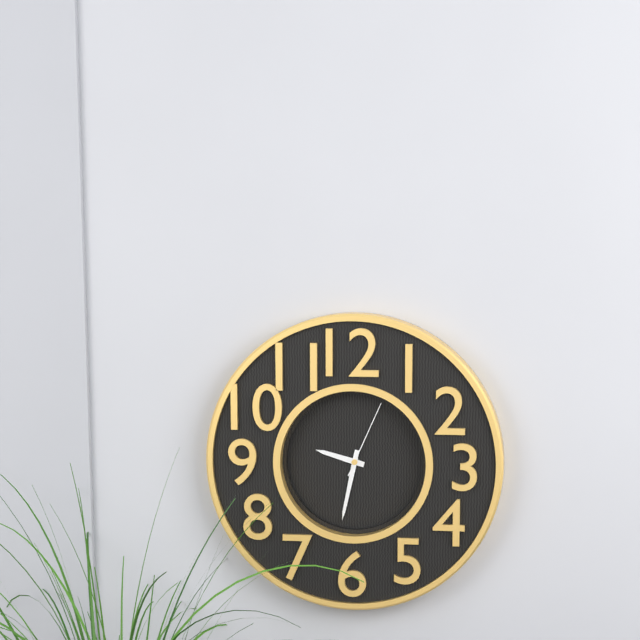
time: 9:32:04
